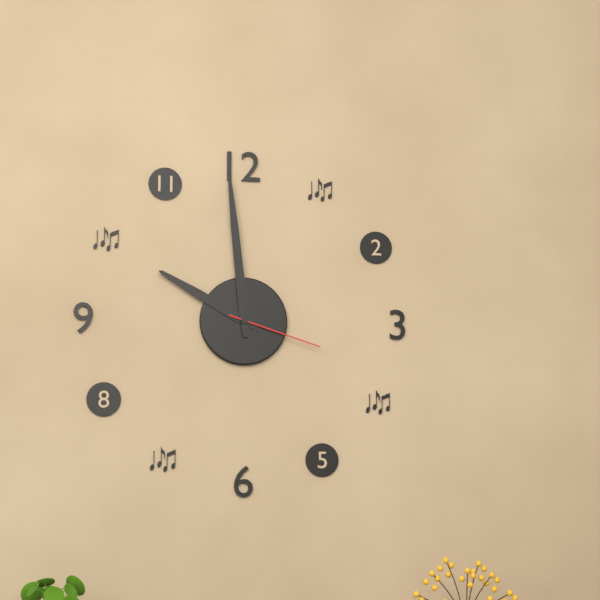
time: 9:59:18
